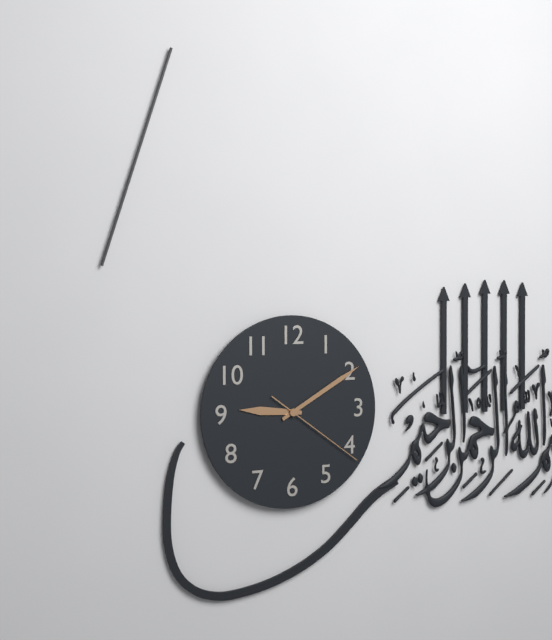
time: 9:10:21
